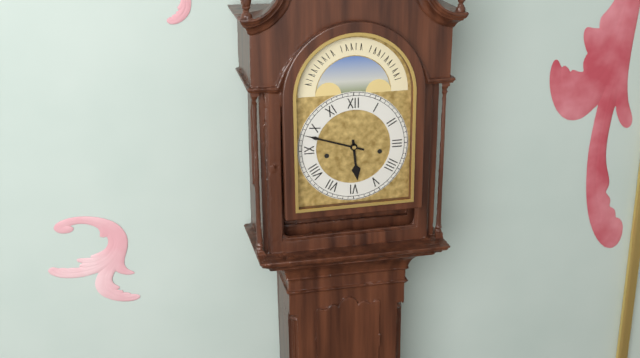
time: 5:48
